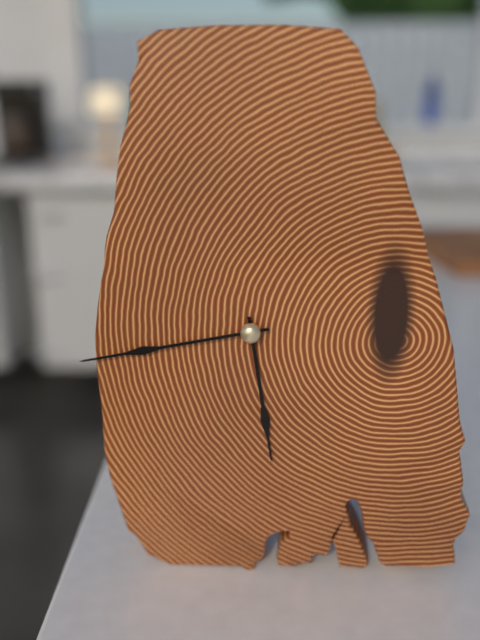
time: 5:43
